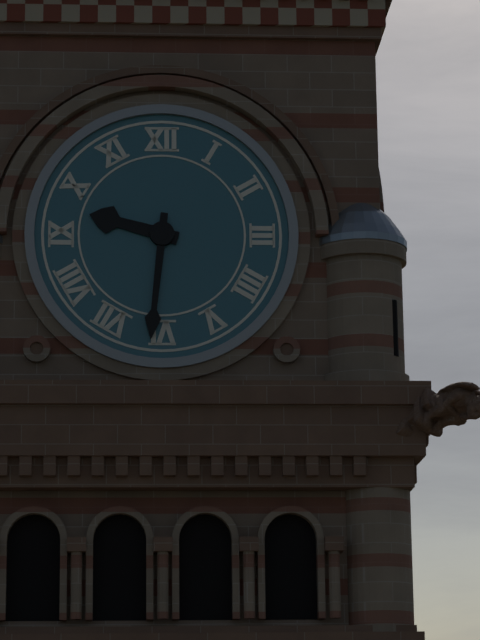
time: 9:31
